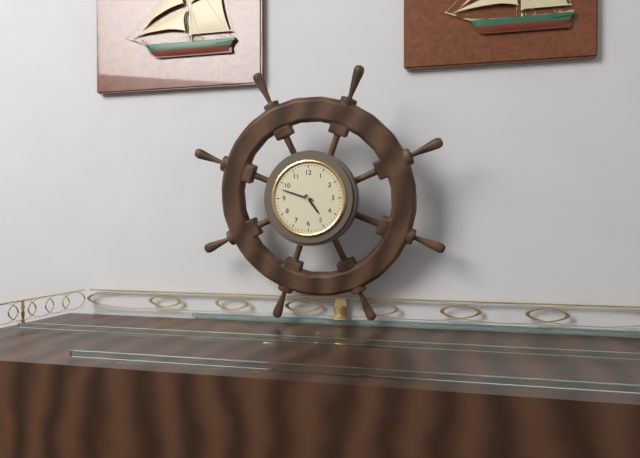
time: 4:48
